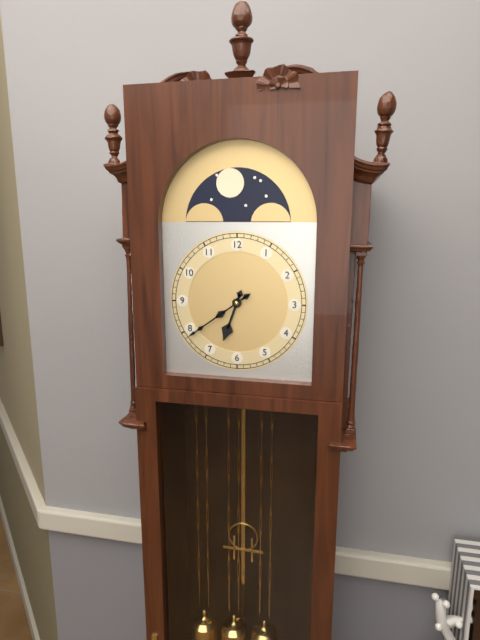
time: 6:39
